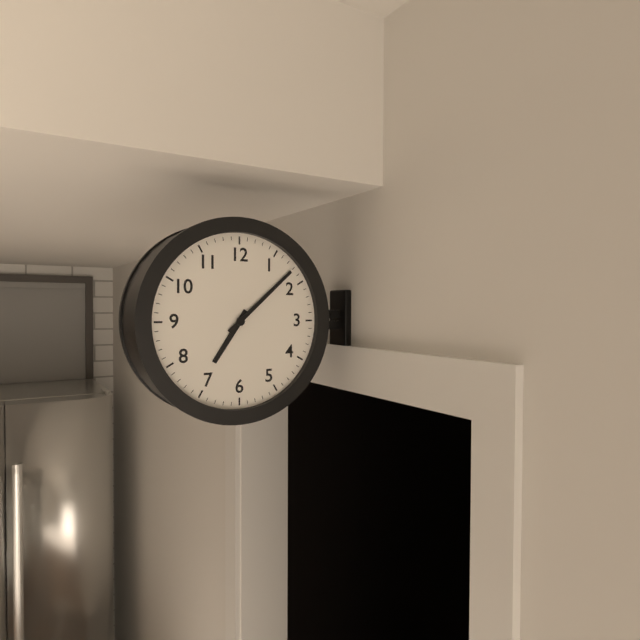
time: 7:08
